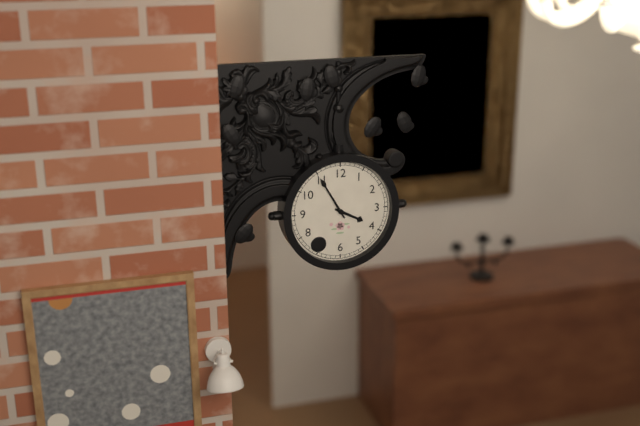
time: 3:55
